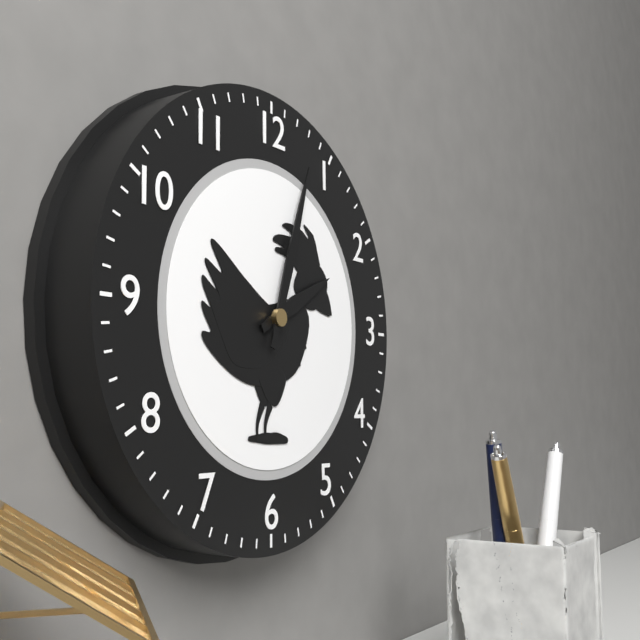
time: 2:03
